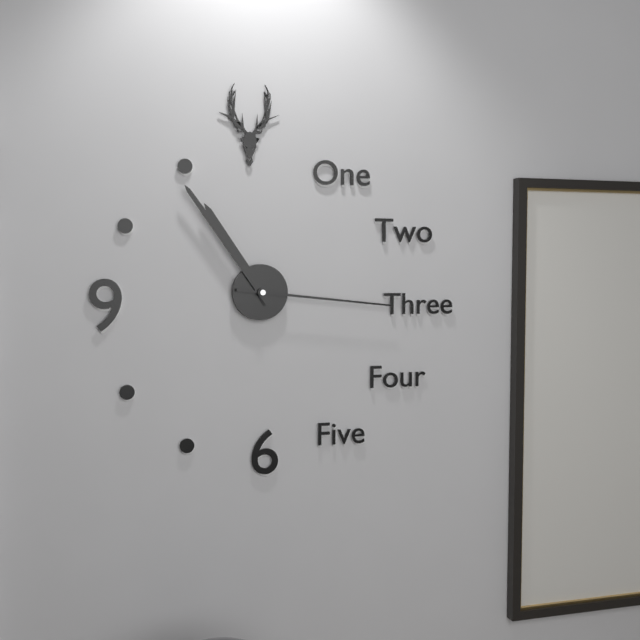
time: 10:54:16
